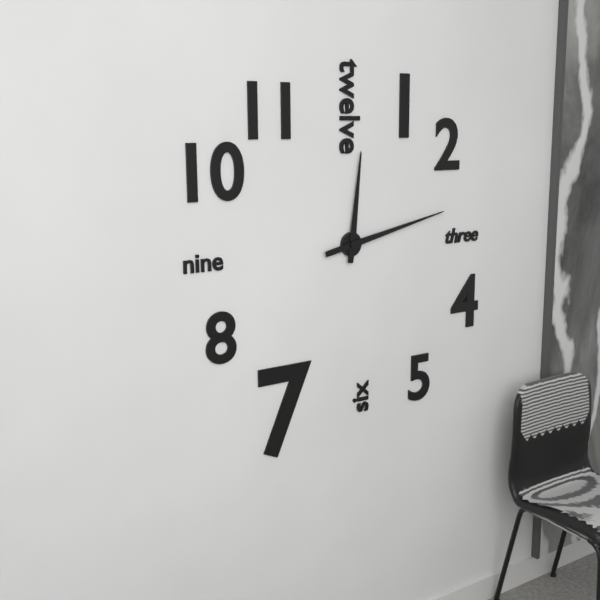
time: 12:13
